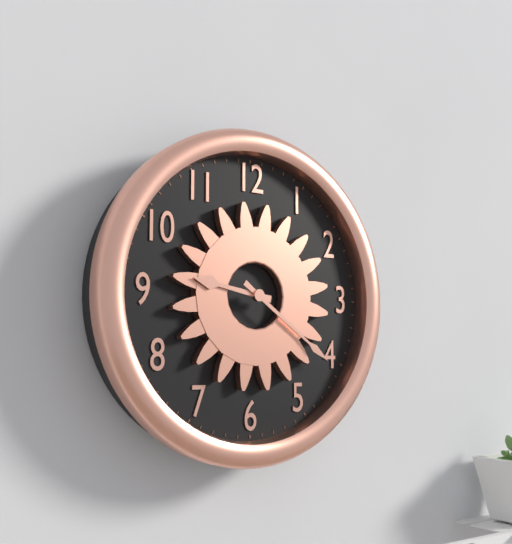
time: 9:21
